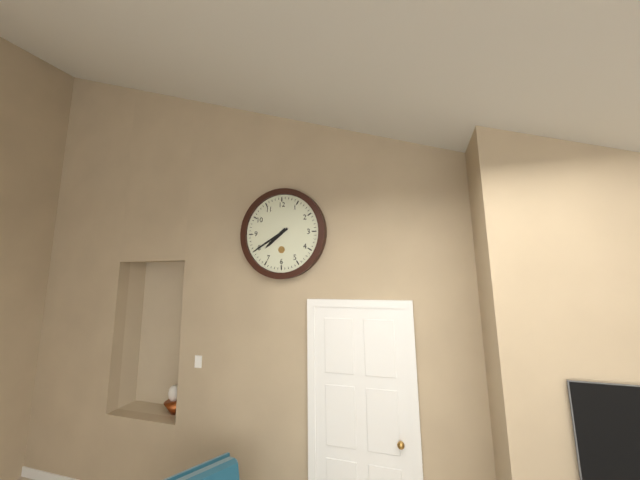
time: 7:40
